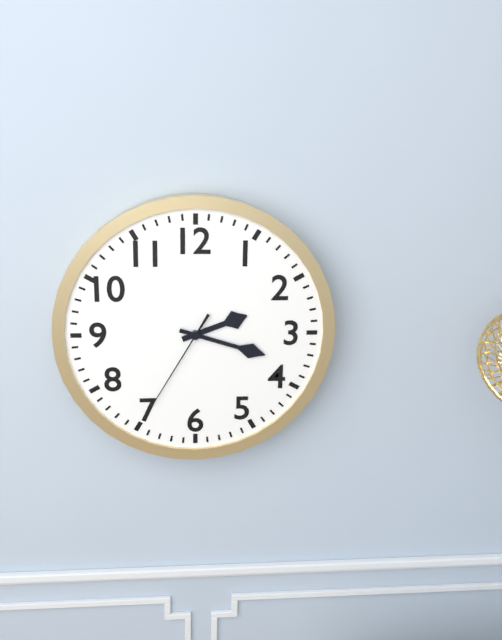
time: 2:18:35
